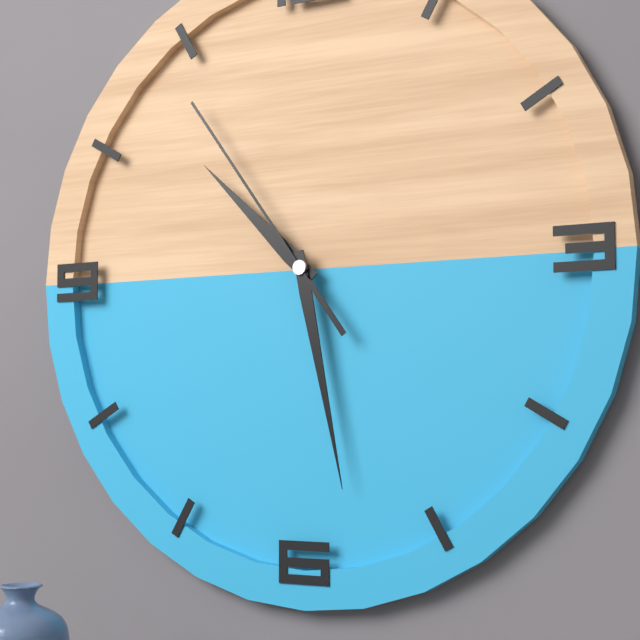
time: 10:28:54
